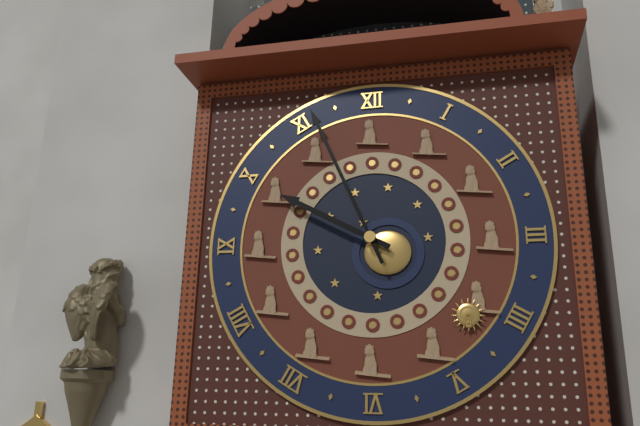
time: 9:56
